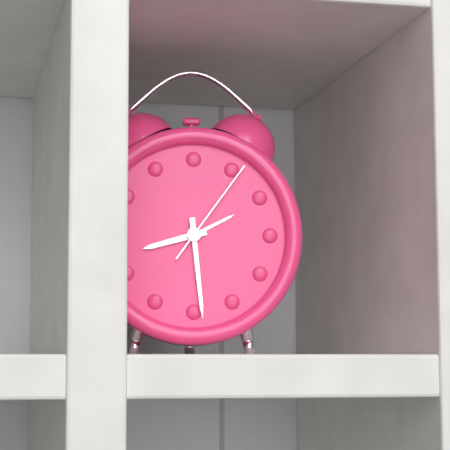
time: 8:29:06
